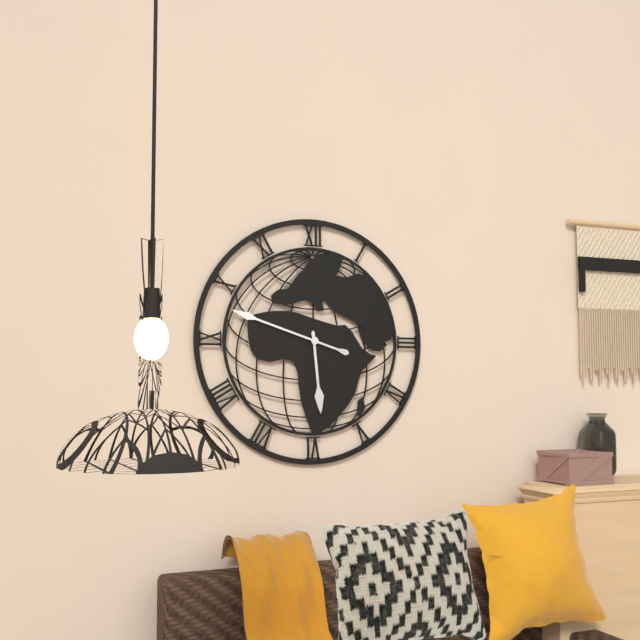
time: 5:48
